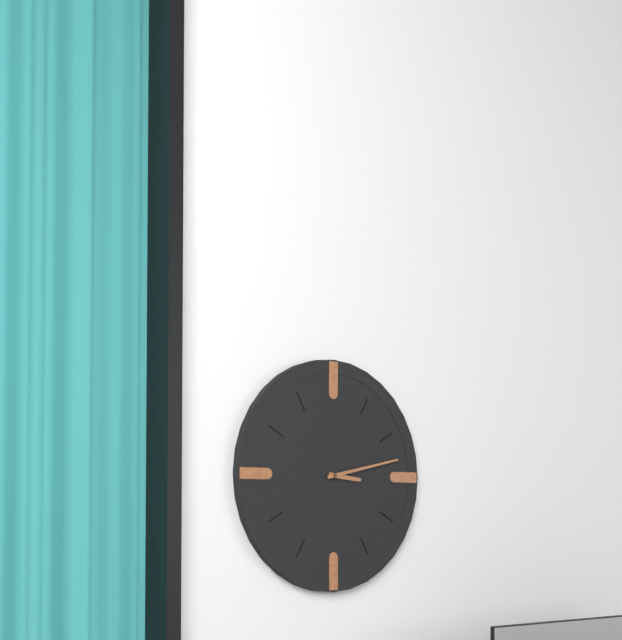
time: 3:13
